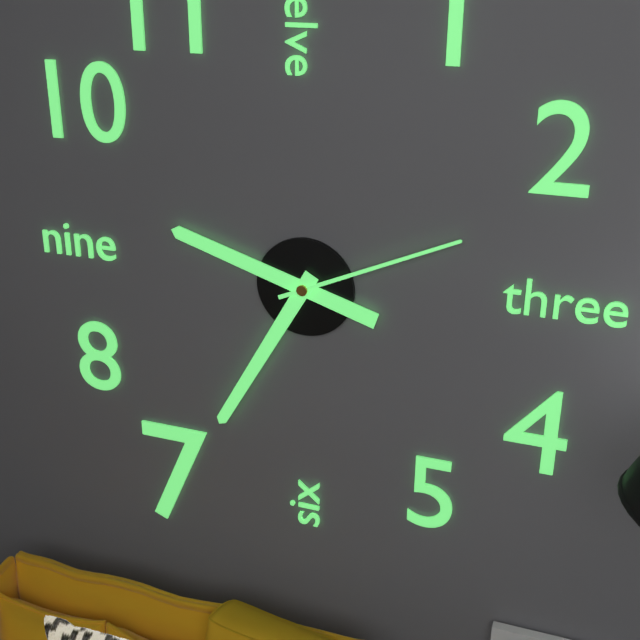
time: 9:35:11
